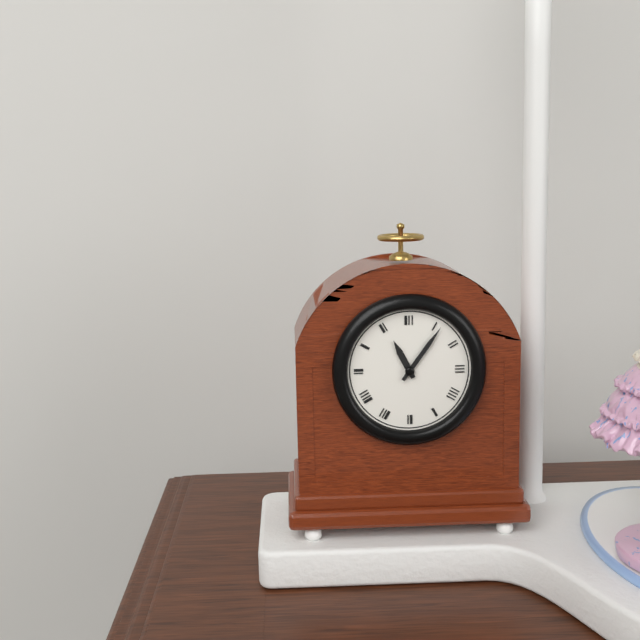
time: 11:06
